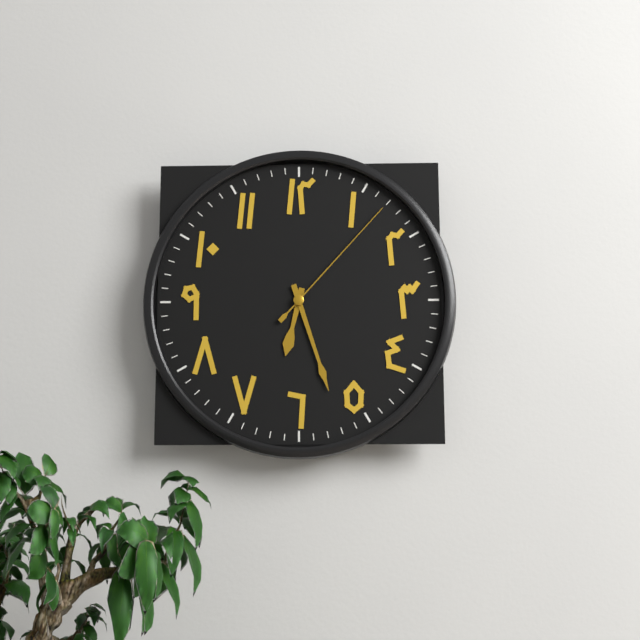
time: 6:27:07
